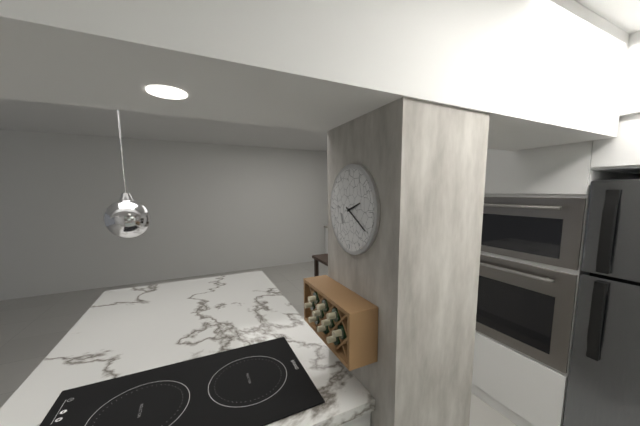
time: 2:20
